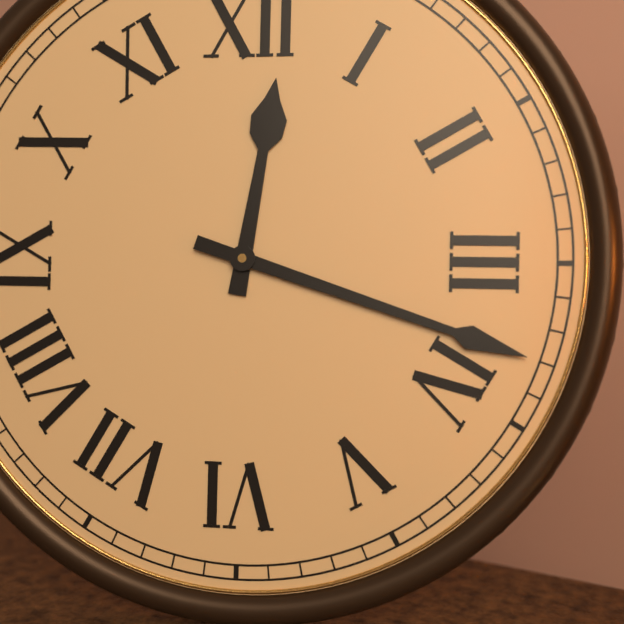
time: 12:18
